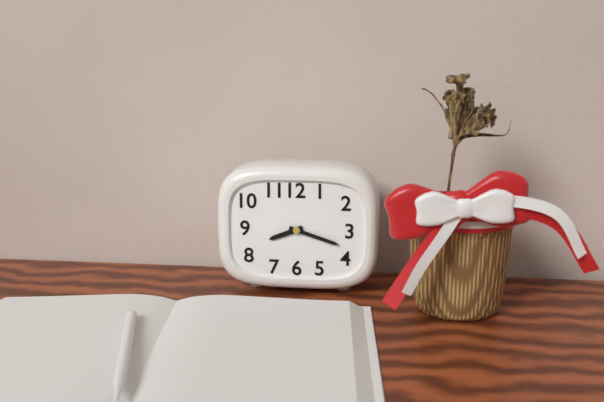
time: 8:18
